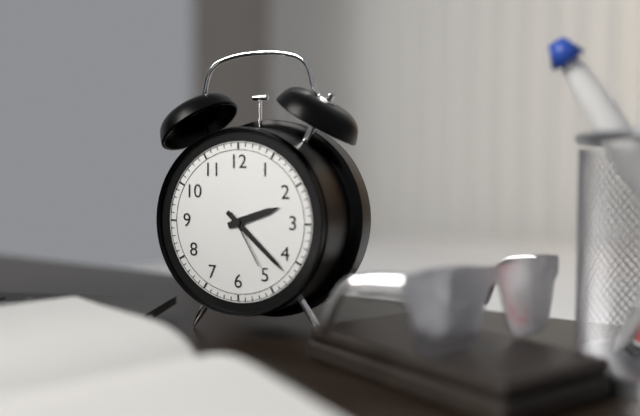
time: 2:22:25
